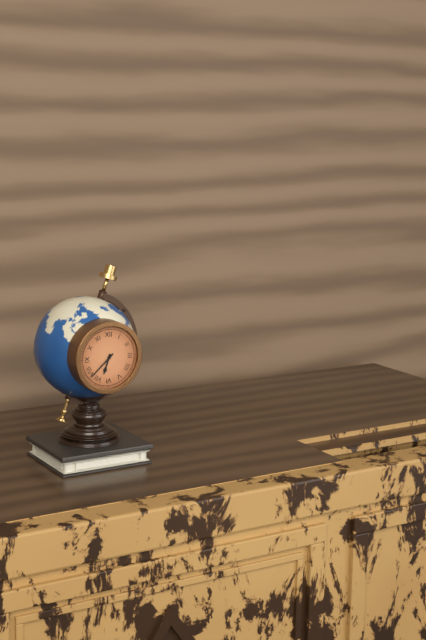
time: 6:38
